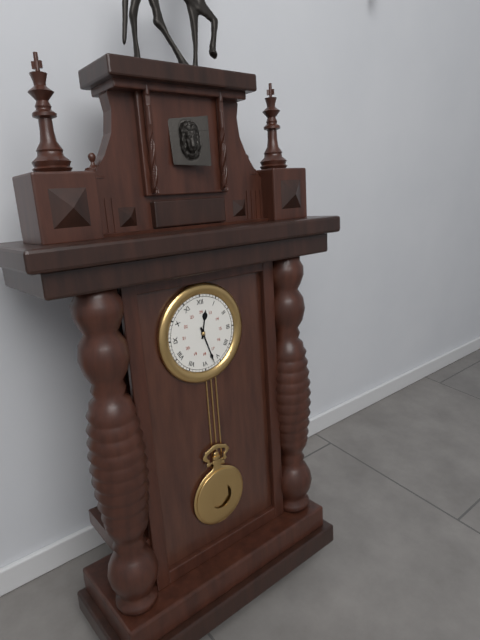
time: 12:27
